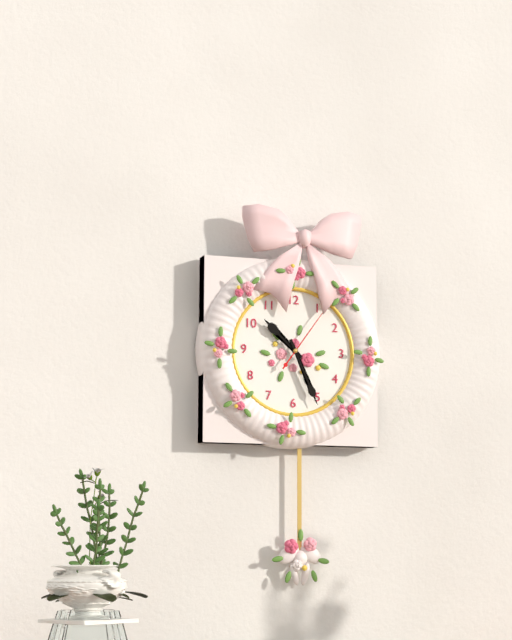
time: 10:26:06
